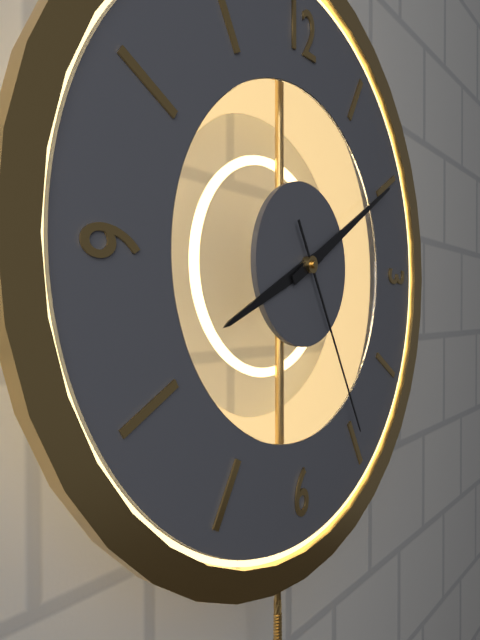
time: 8:10:25
